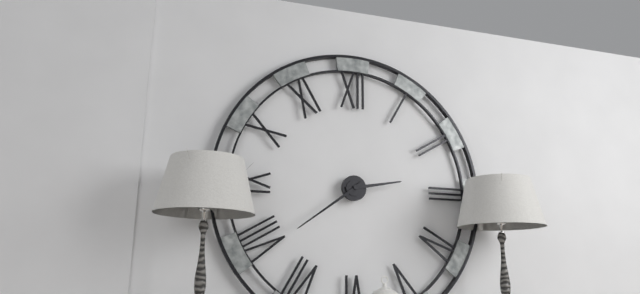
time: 2:39
